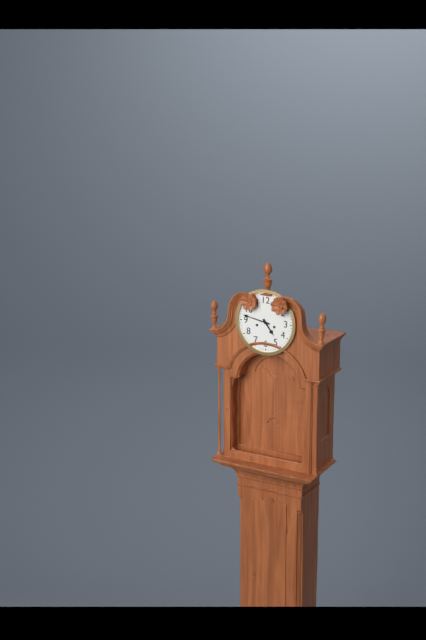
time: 4:47
